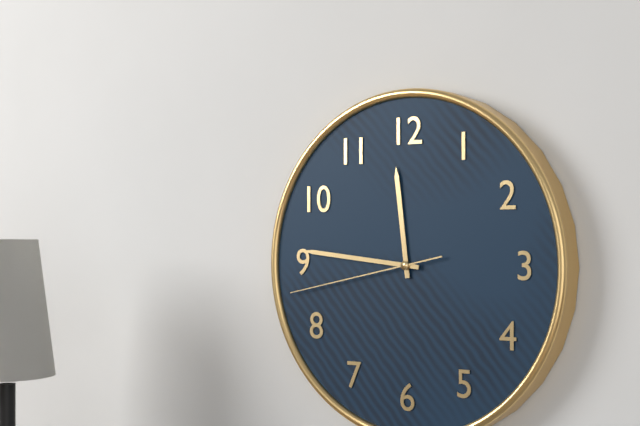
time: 11:46:43
